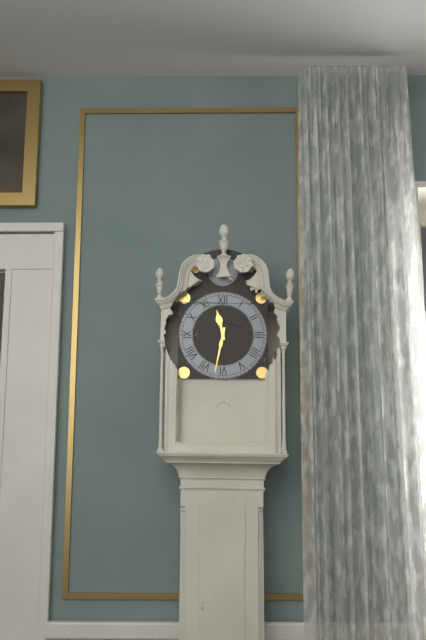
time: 11:32
